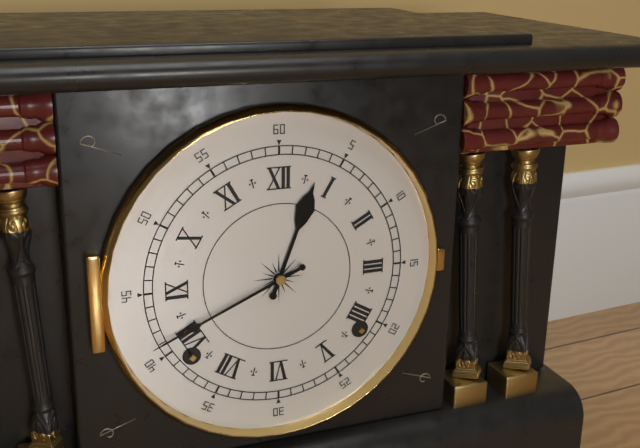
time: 12:41
